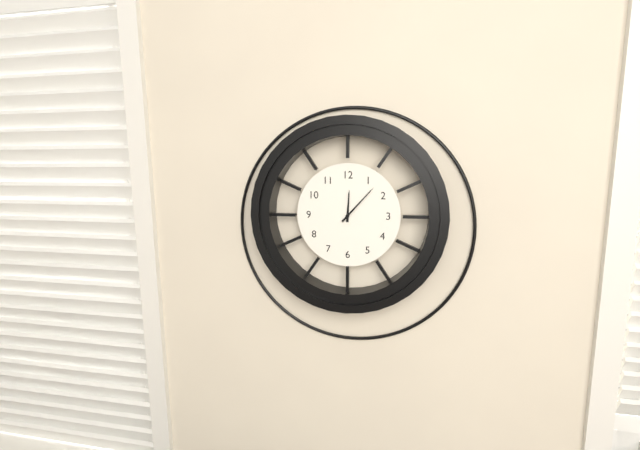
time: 12:07
